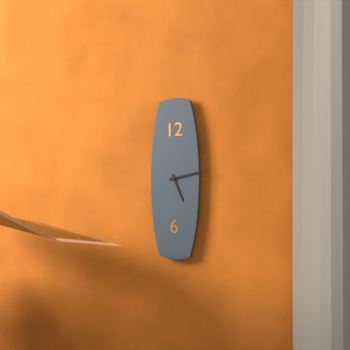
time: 5:13
